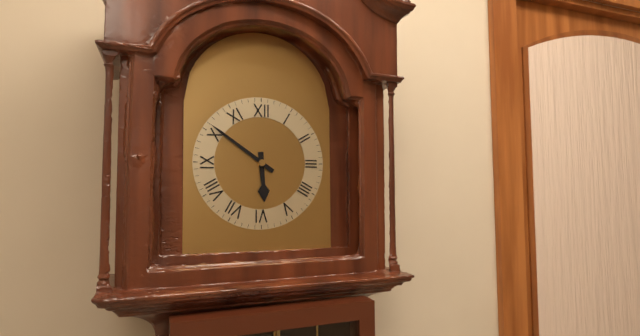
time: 5:51
